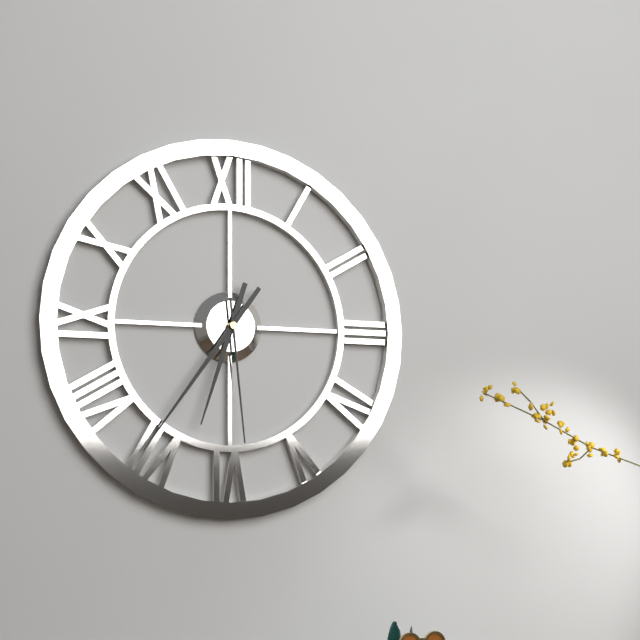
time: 6:36:29
